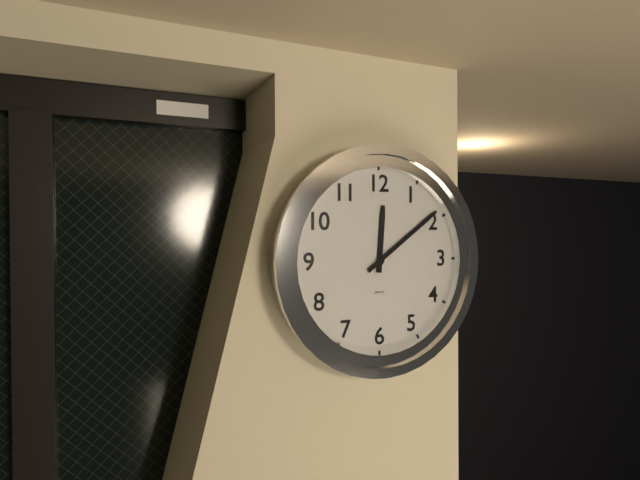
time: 12:09
